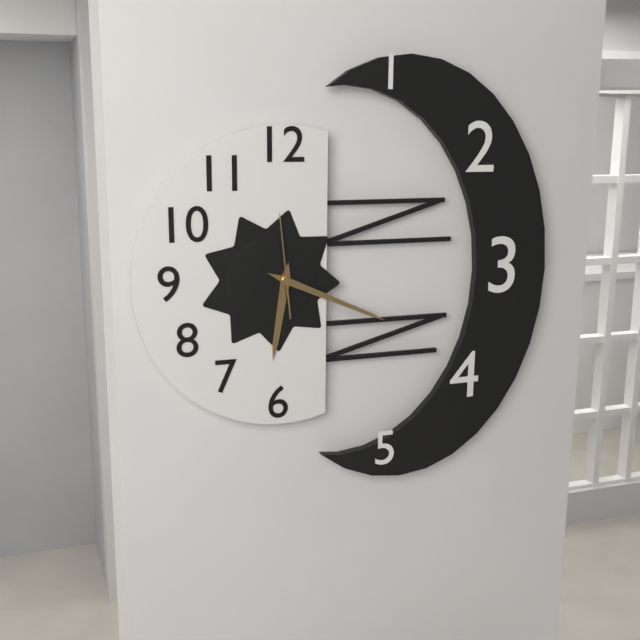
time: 6:19:59
